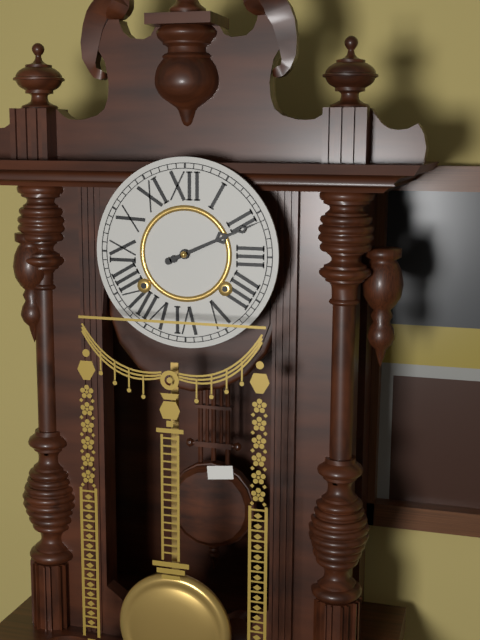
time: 2:11
